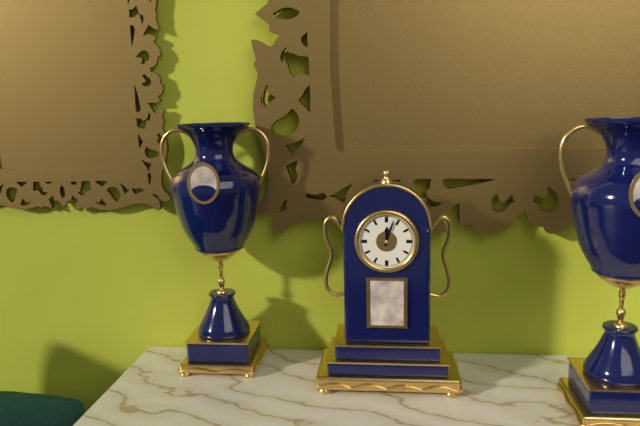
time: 12:03
